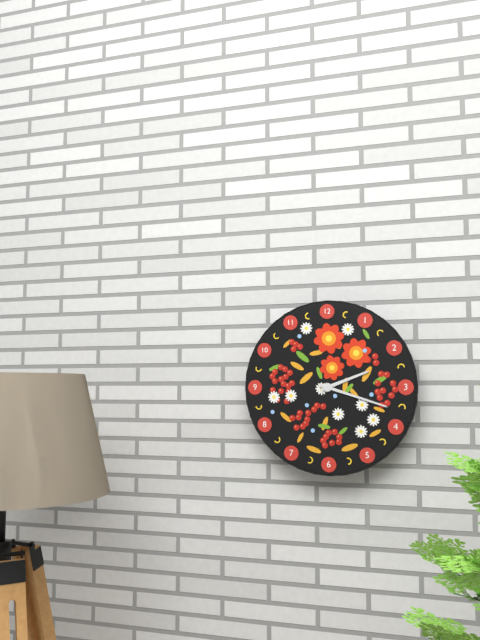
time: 2:18
